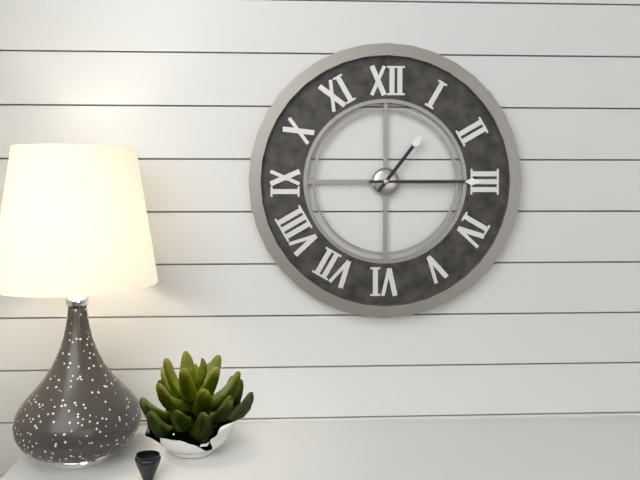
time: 1:15
